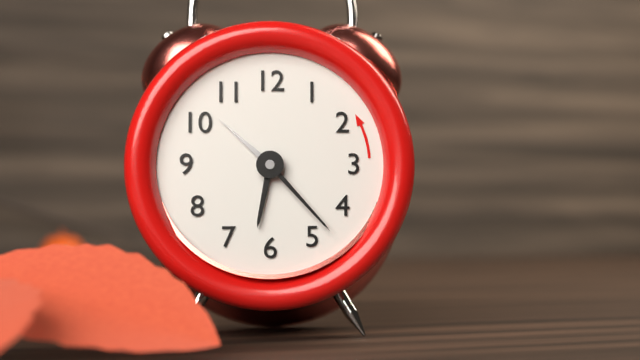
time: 6:23:52
